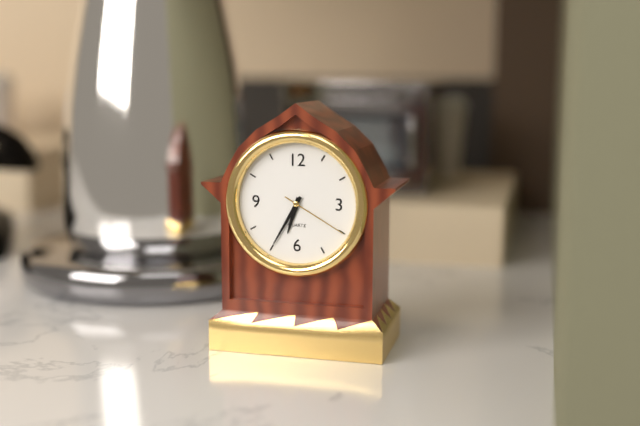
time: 6:35:20
